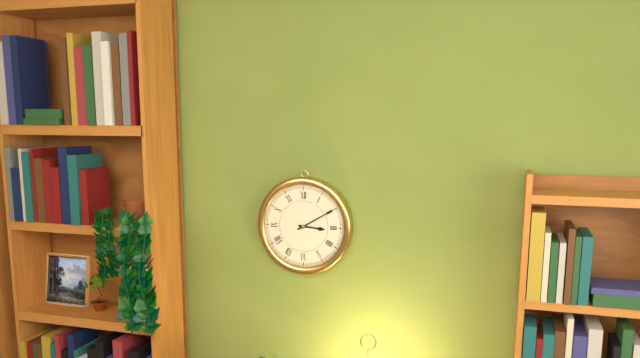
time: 3:10
